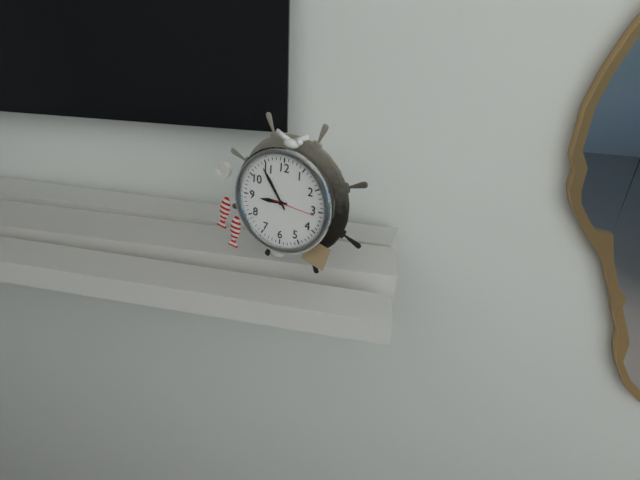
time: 8:54
